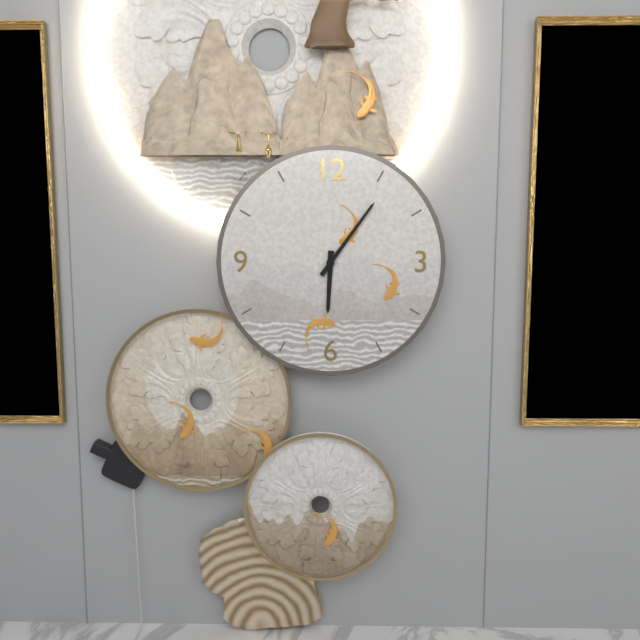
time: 6:06
